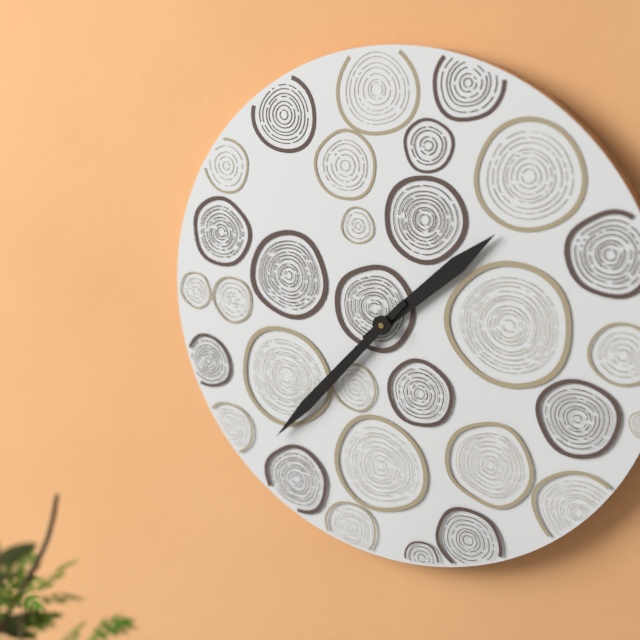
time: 1:37
